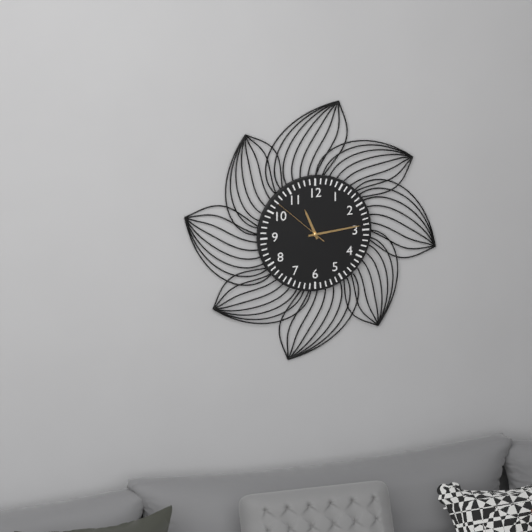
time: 11:14:52
